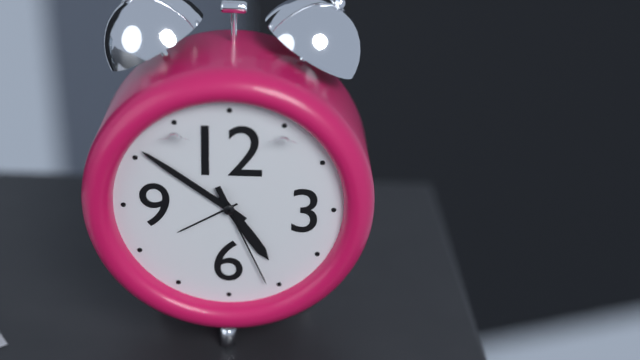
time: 4:51:26
